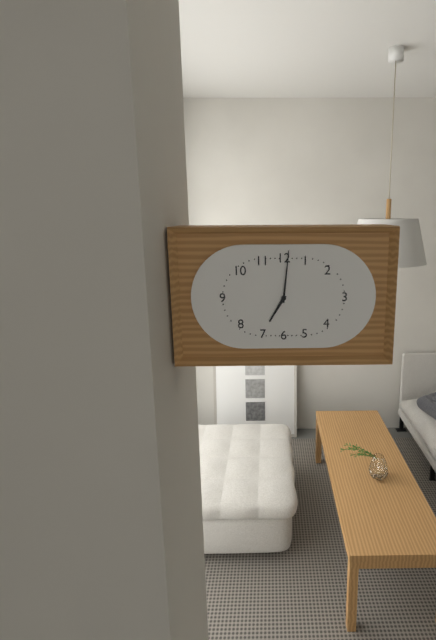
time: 7:01
